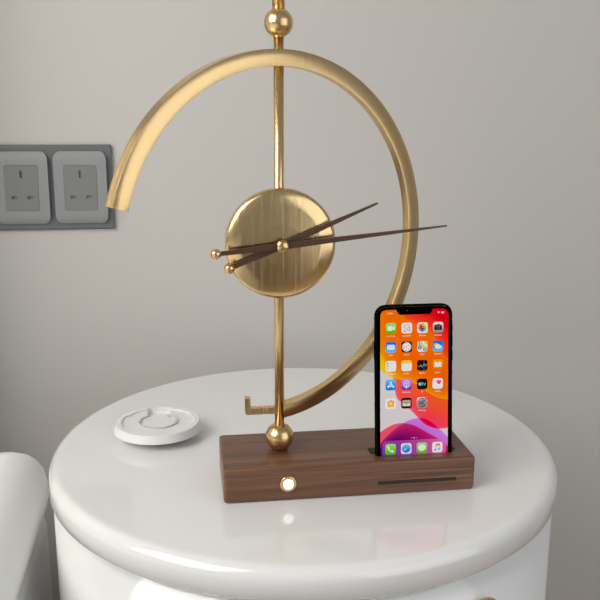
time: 2:14
